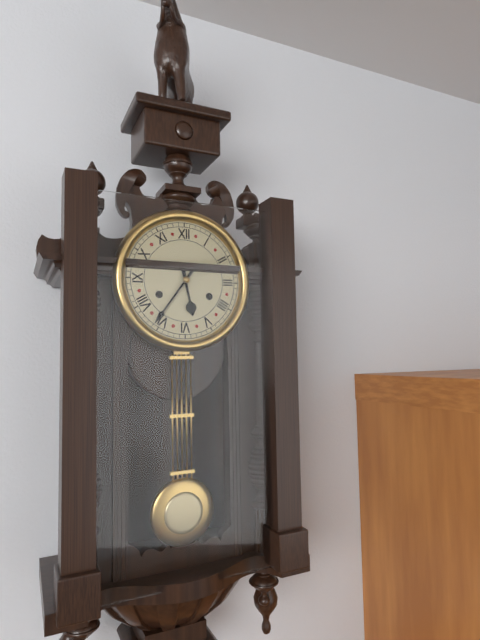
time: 5:36
